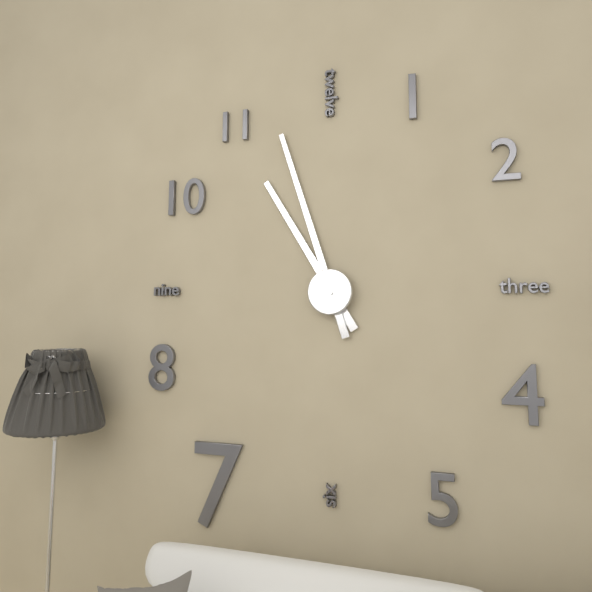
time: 10:57
